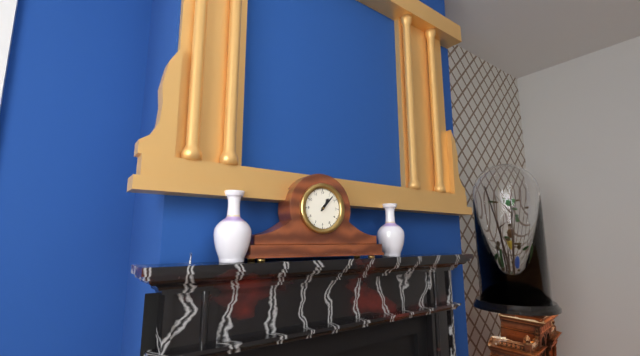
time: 1:07
